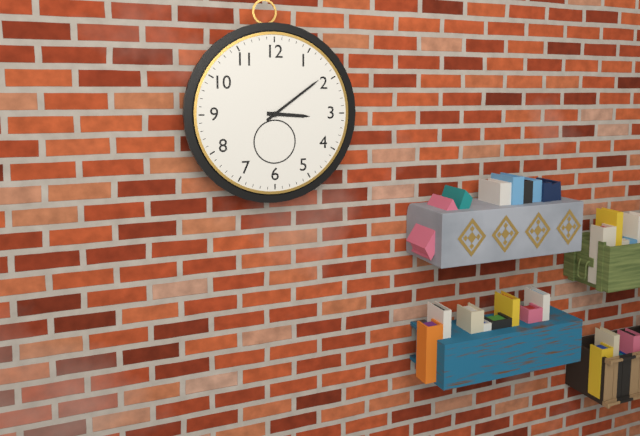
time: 3:09
